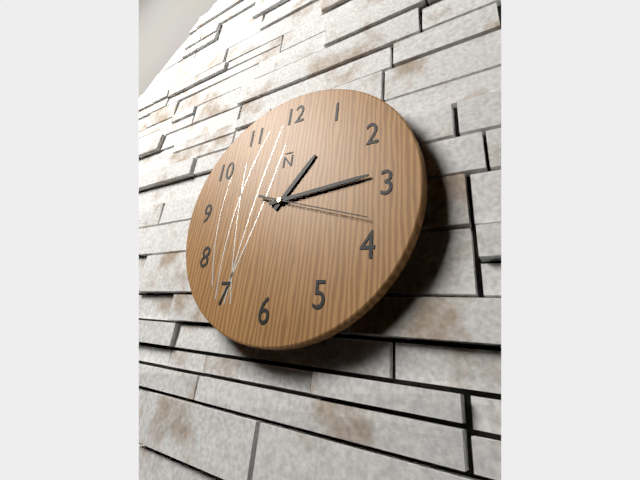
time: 1:14:18
